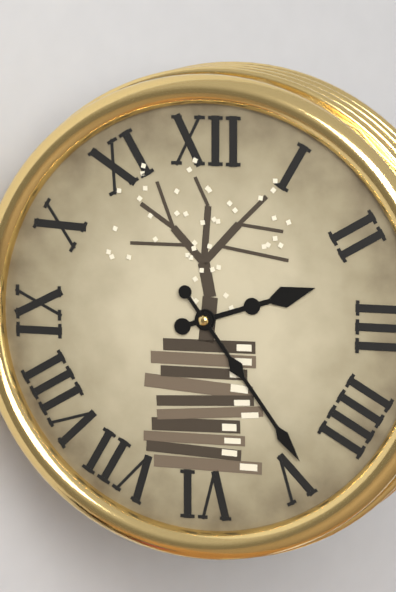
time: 2:24
